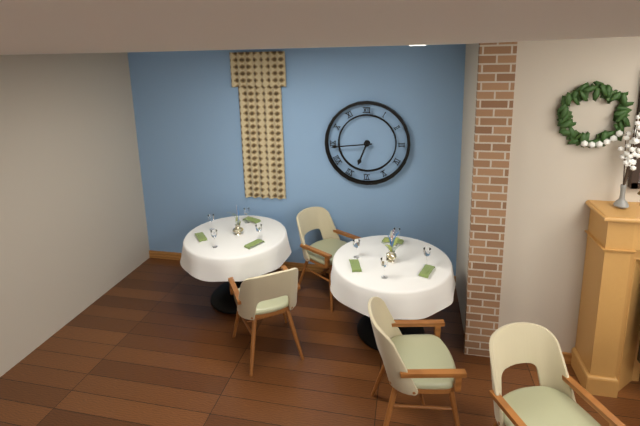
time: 6:44
